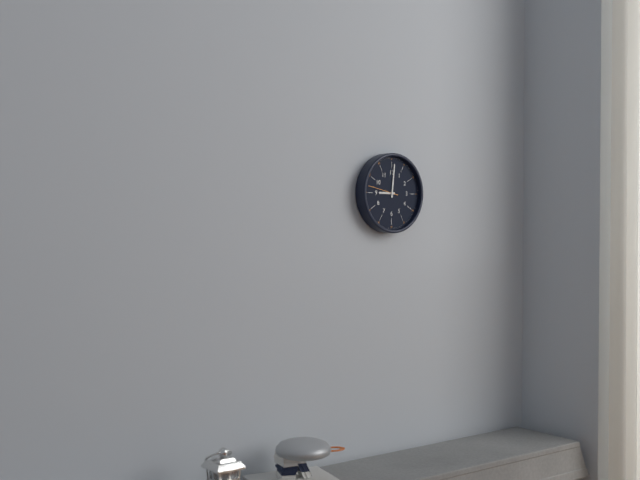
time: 9:01
